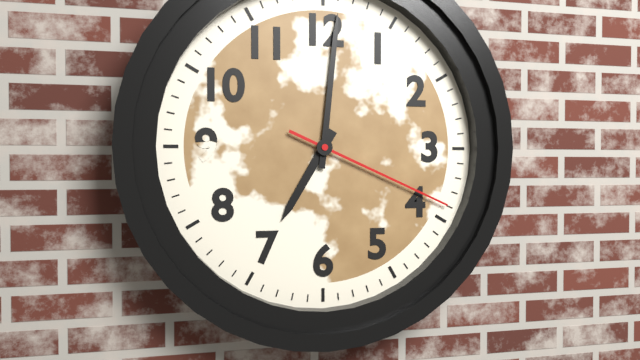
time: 7:01:19
